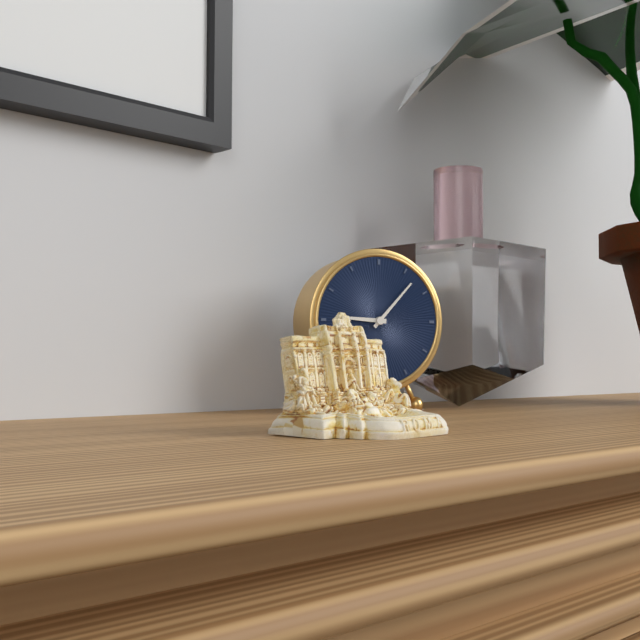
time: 9:07
